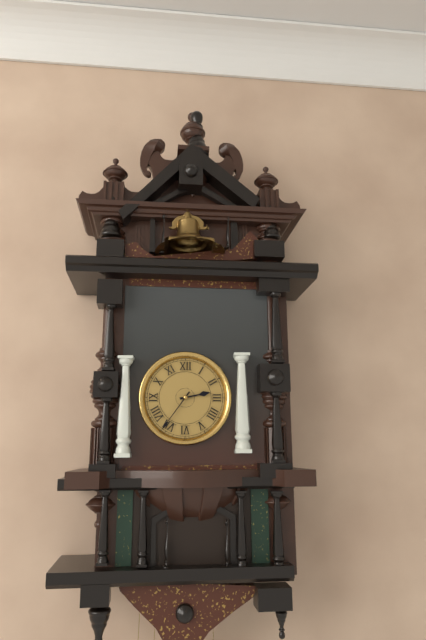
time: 2:36
